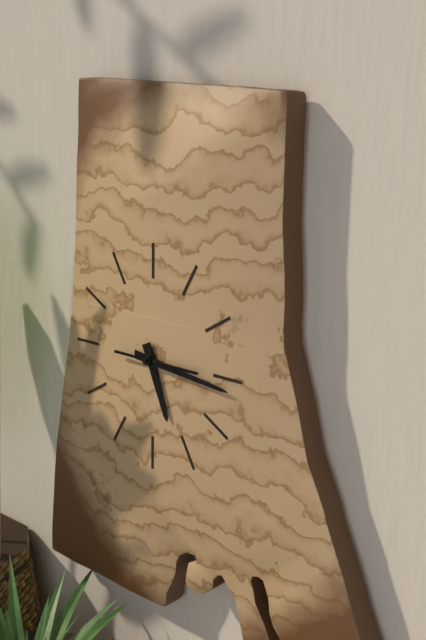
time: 5:16:15
